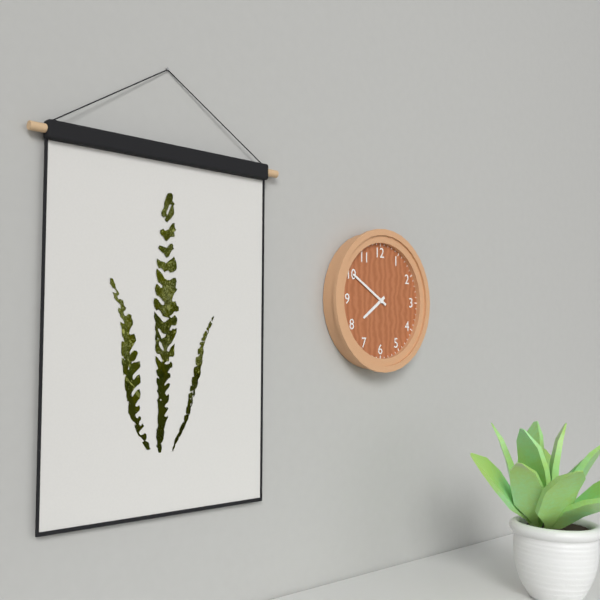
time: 7:50
